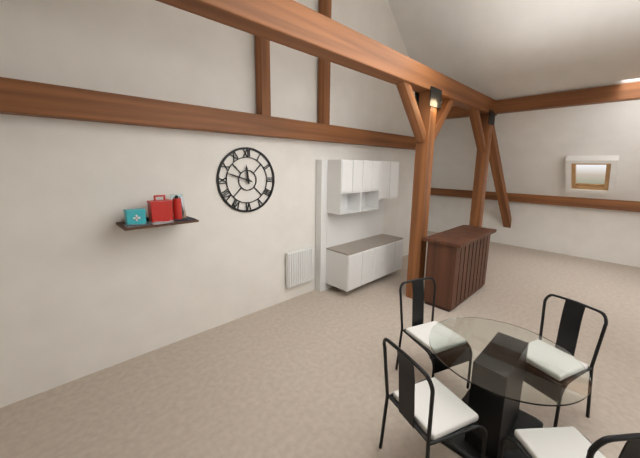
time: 11:48
